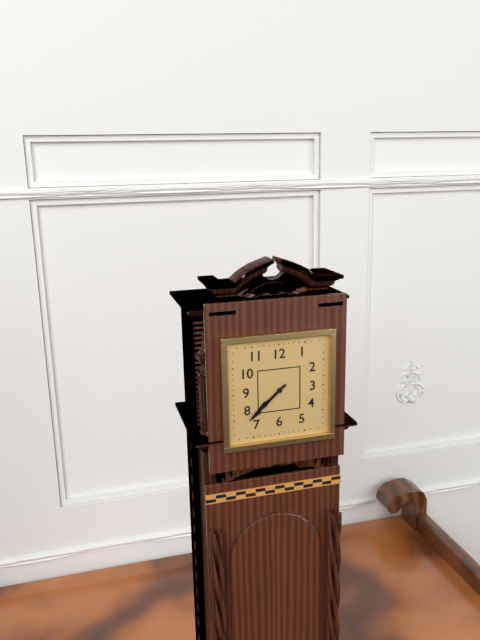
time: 7:38
